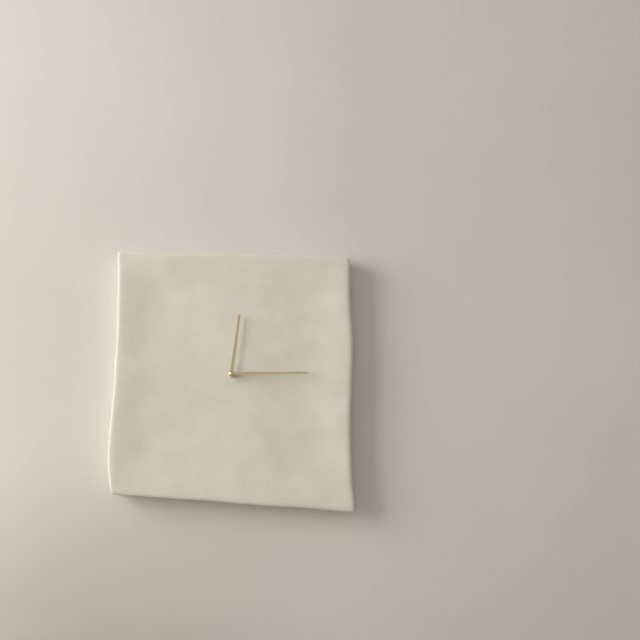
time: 12:15
